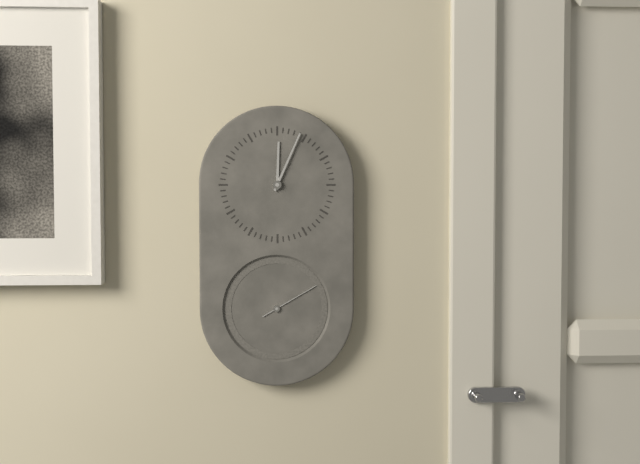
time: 12:04:10
